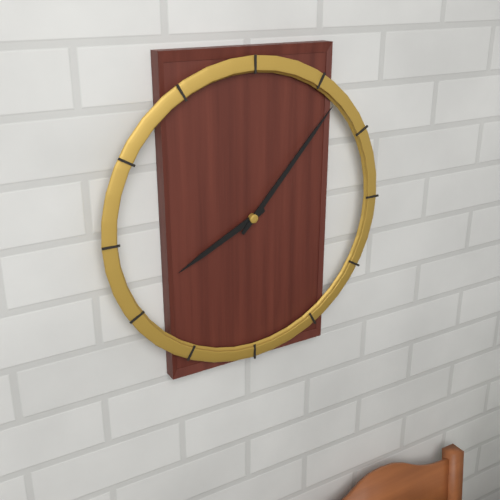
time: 8:07
